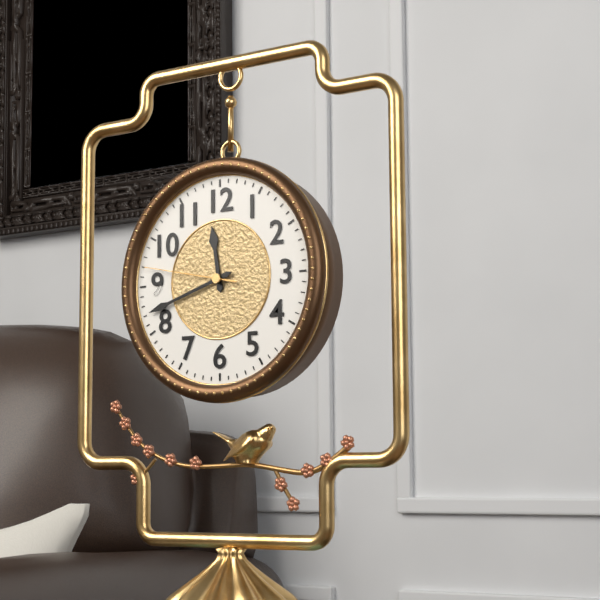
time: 11:42:47
